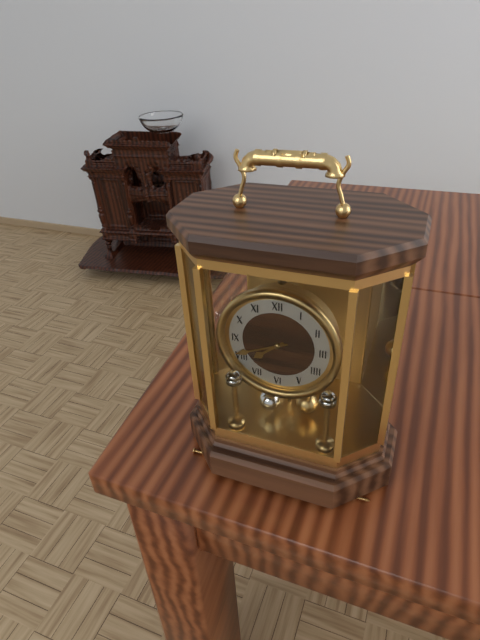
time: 7:41
